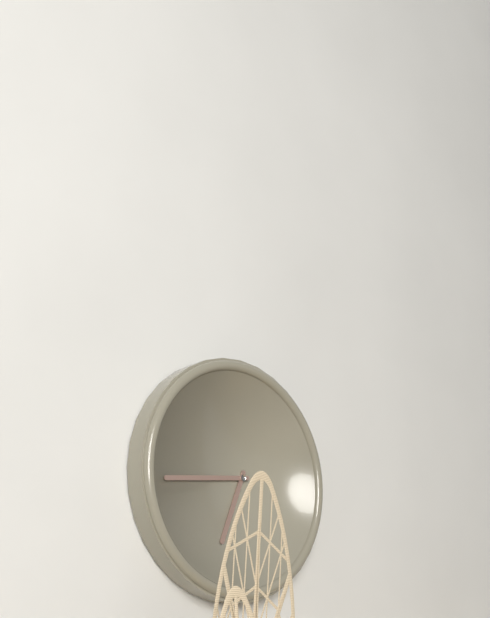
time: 6:44
